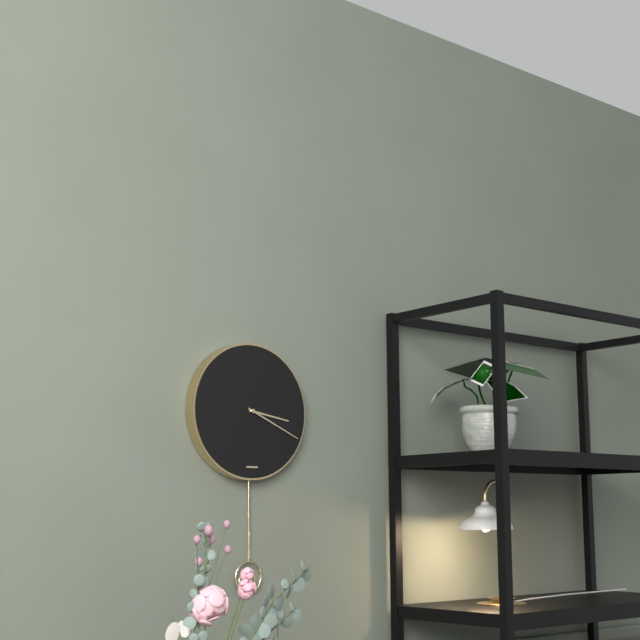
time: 3:19
